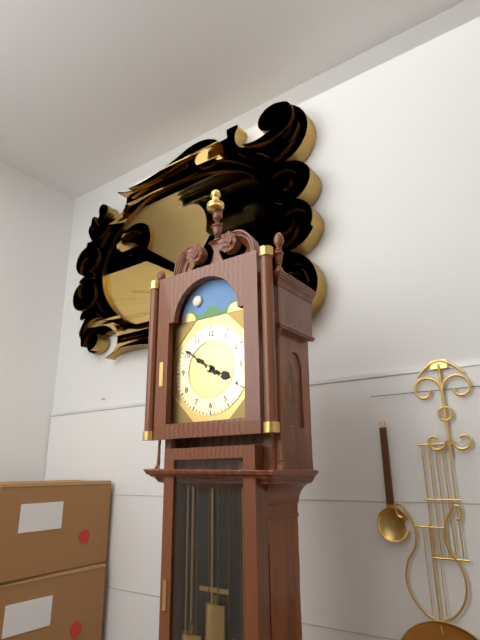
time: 3:51
